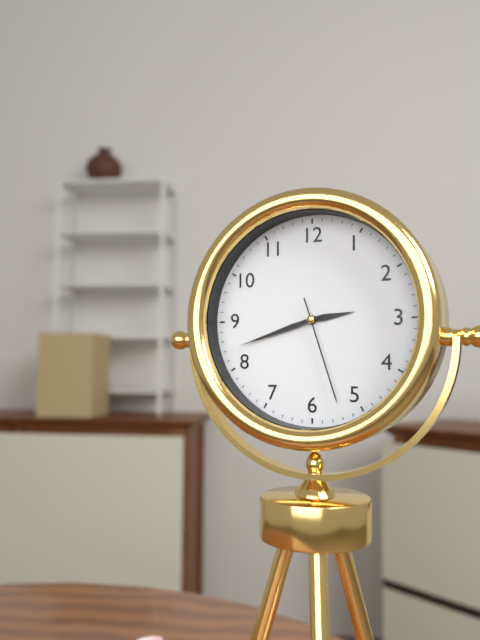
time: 2:42:27
